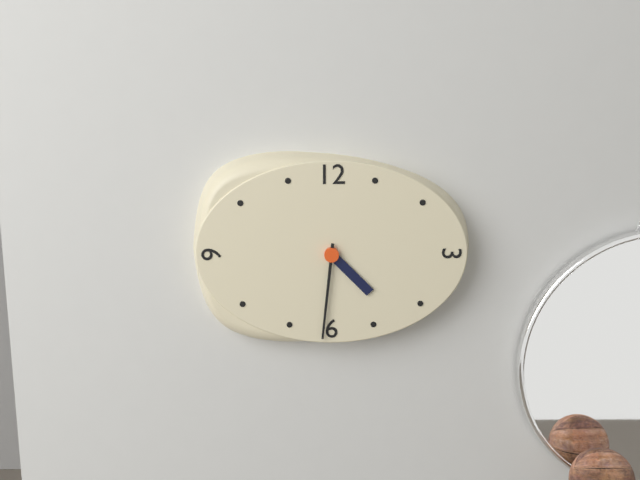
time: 4:31
